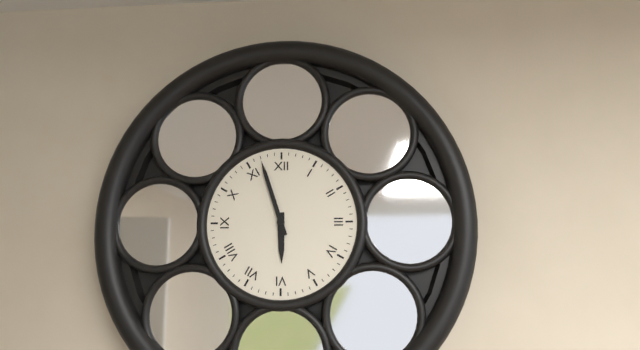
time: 5:57
